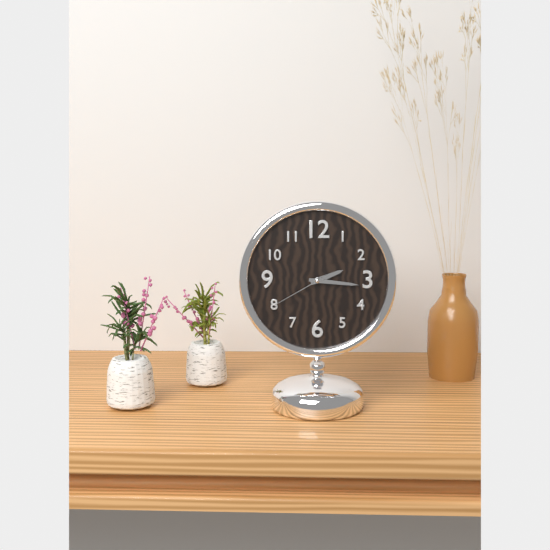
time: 2:16:40
